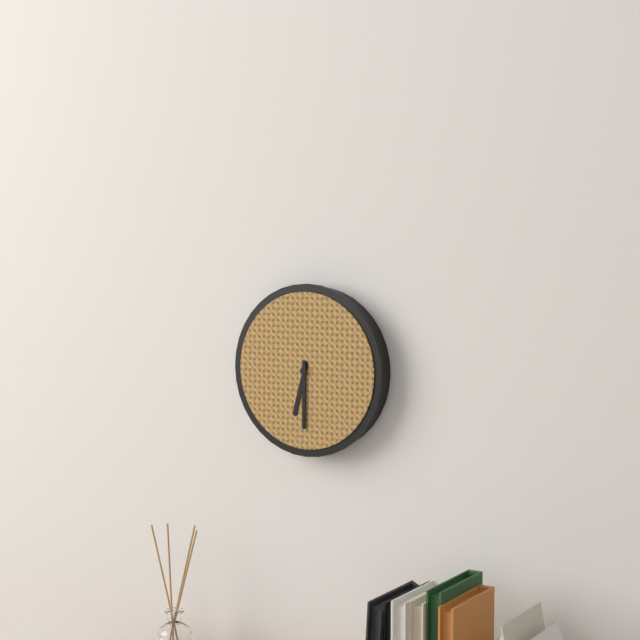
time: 6:30
